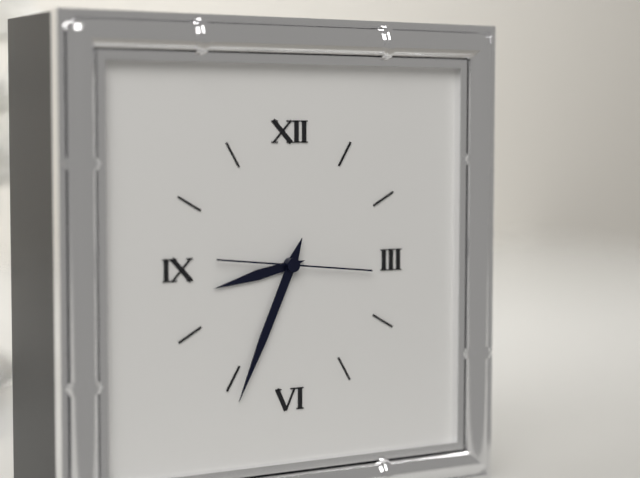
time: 8:34:16
